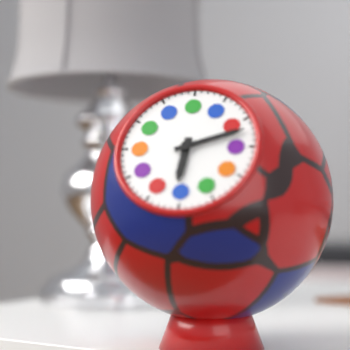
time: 6:12
